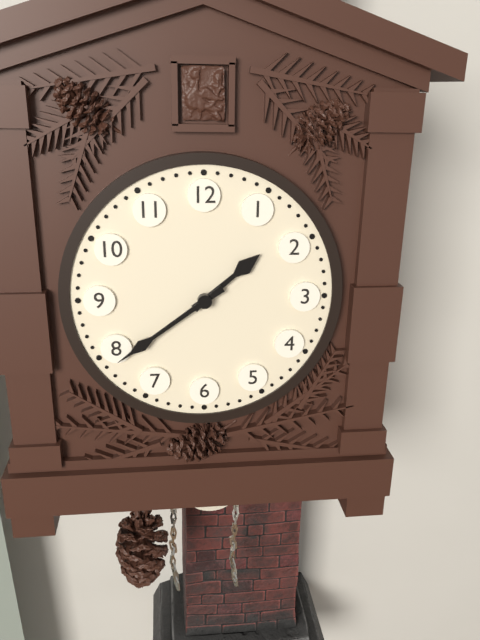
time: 1:39
